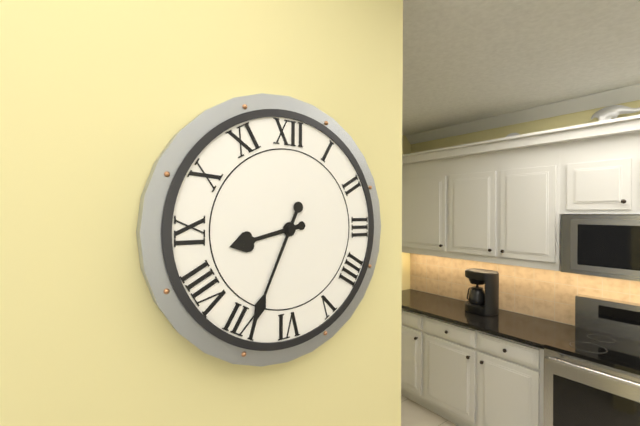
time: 8:34
